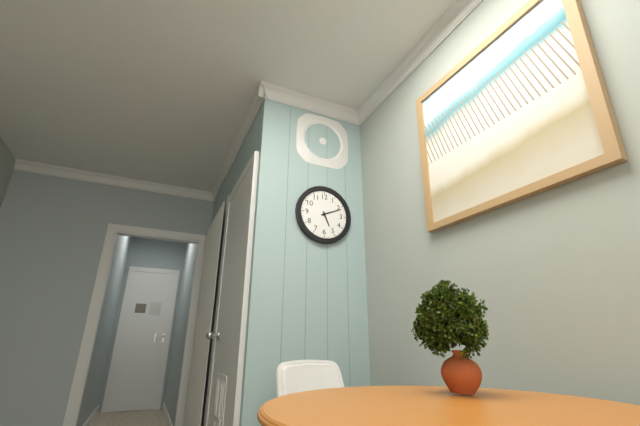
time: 5:11
